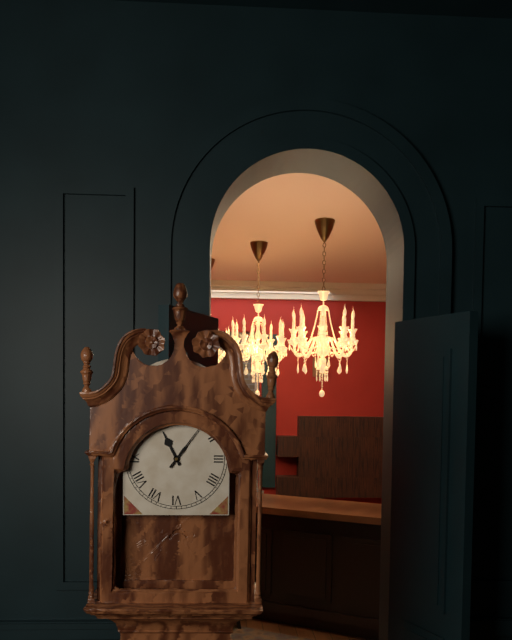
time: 11:06
